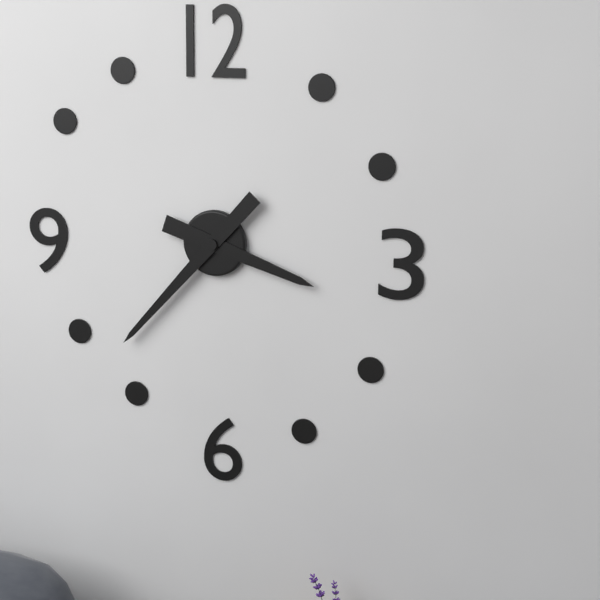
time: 3:37
